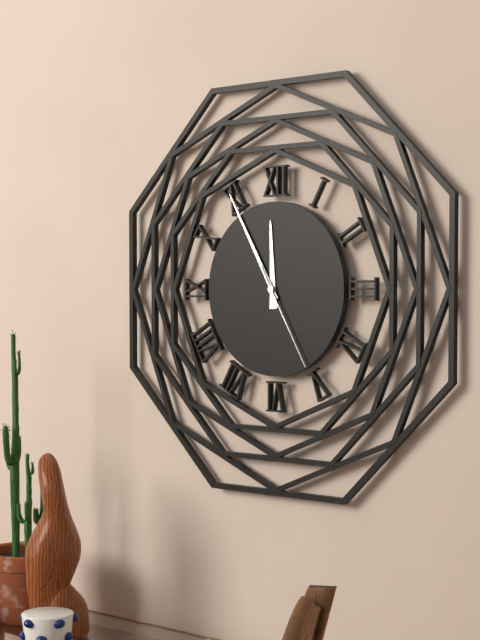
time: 11:55:25
